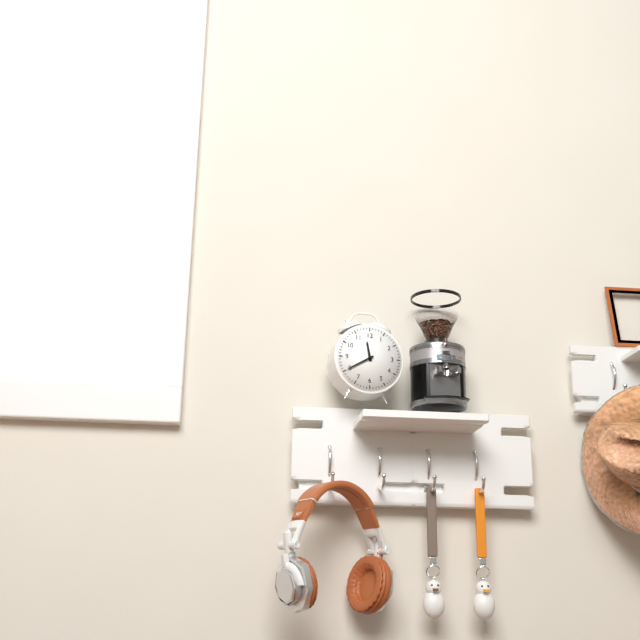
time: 11:40
